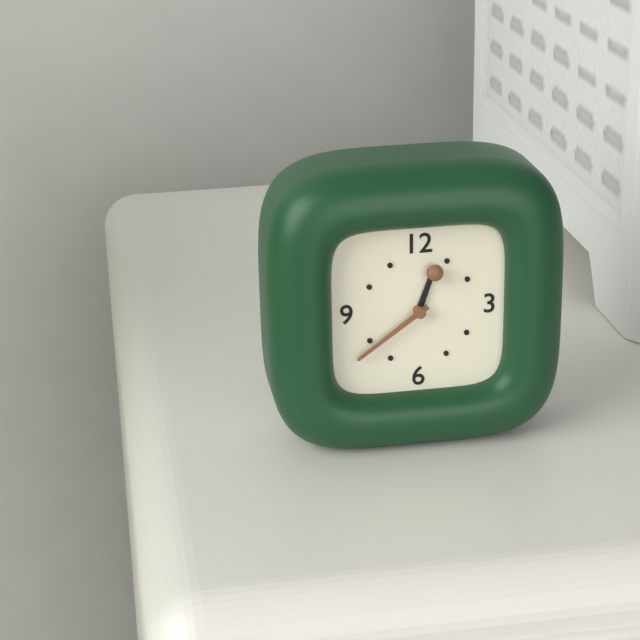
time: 12:39
